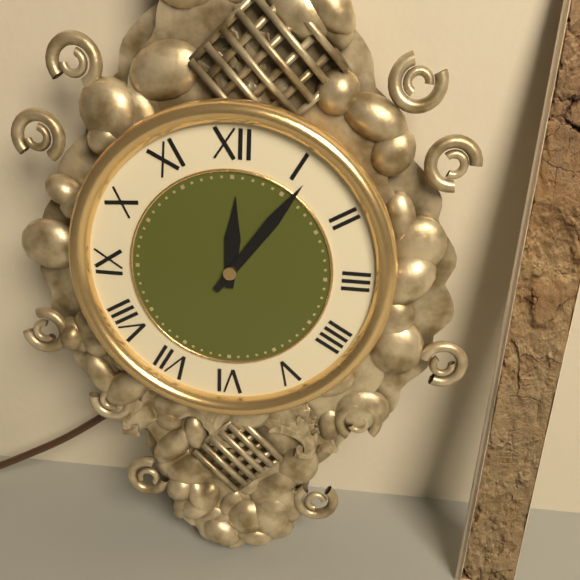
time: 12:06
